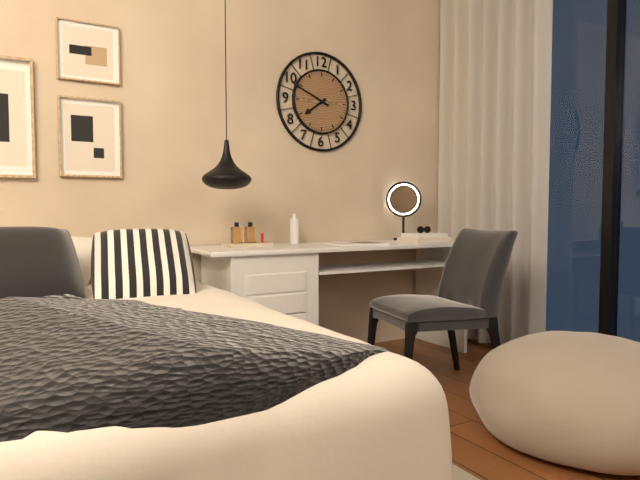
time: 7:49
